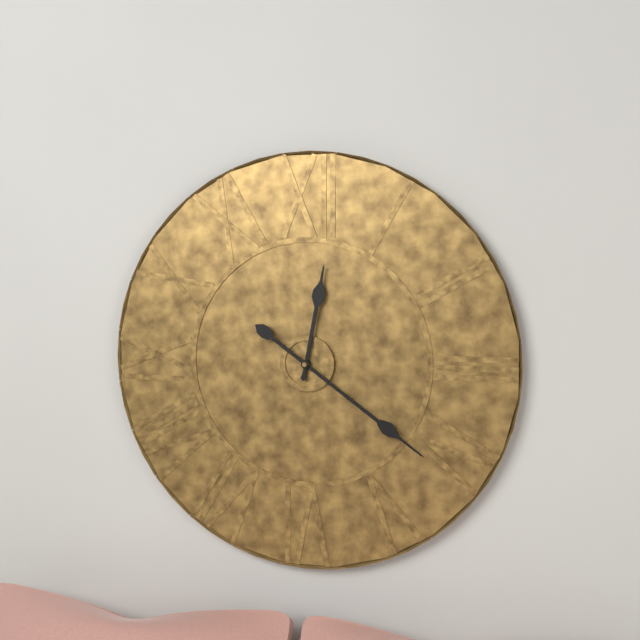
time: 12:21
